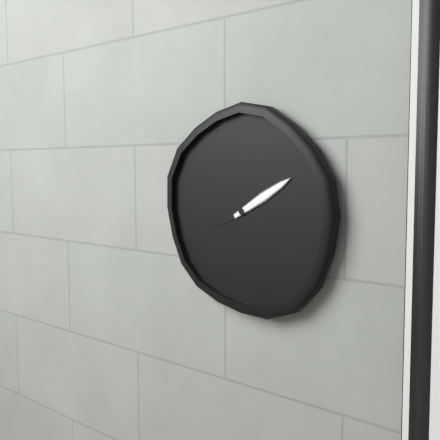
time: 8:10
